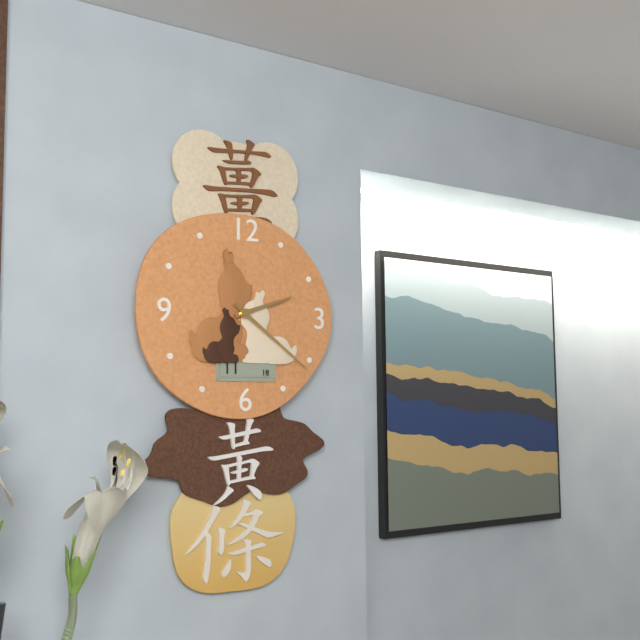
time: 2:21
